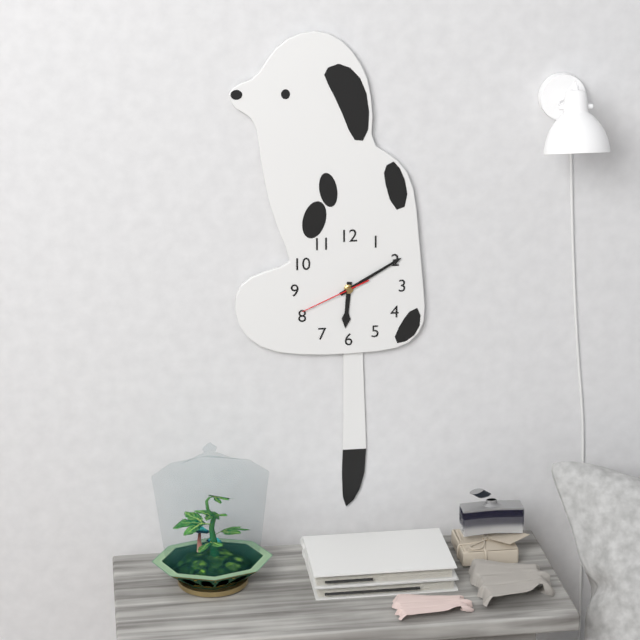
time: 6:10:41
